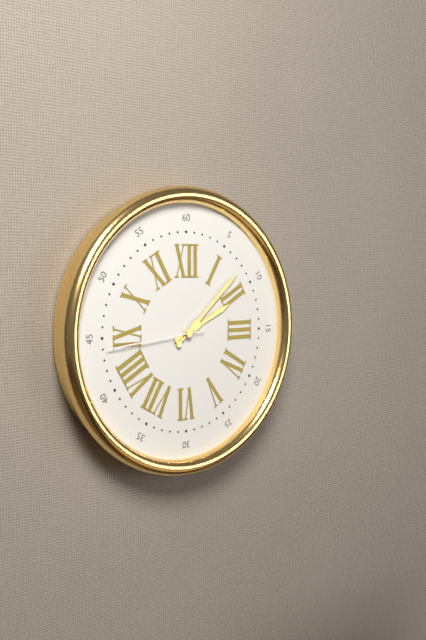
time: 2:08:44
